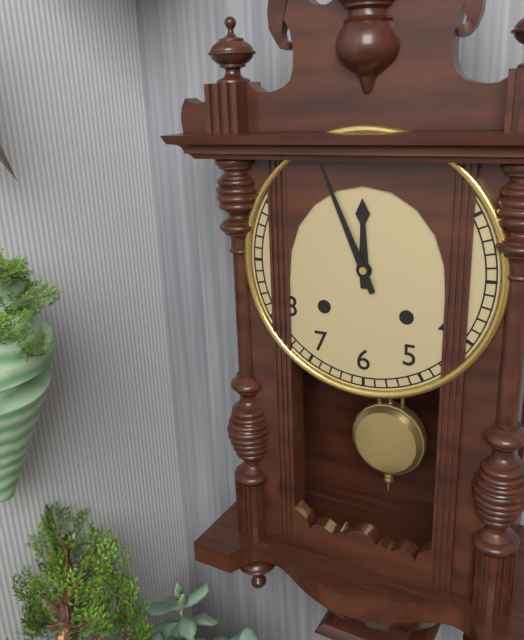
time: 11:56
